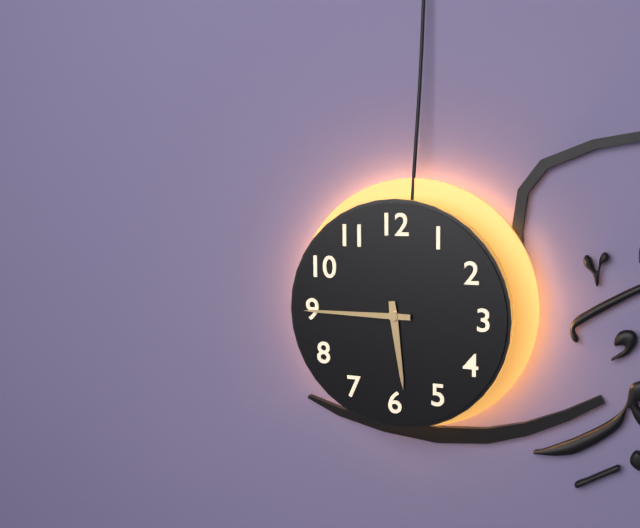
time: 5:45
